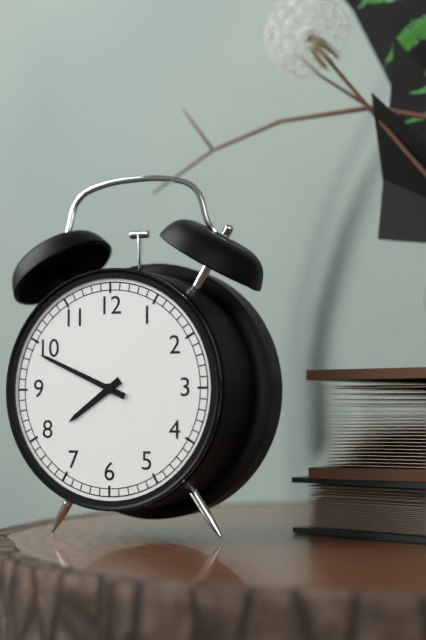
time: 7:49
